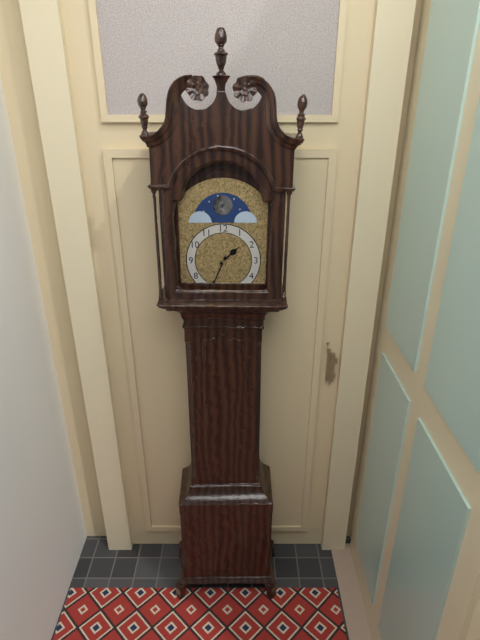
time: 1:34
